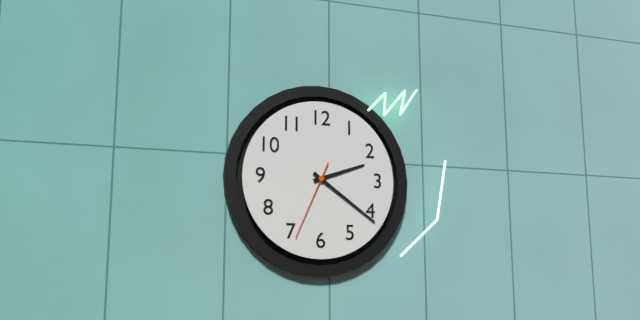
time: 2:21:34
